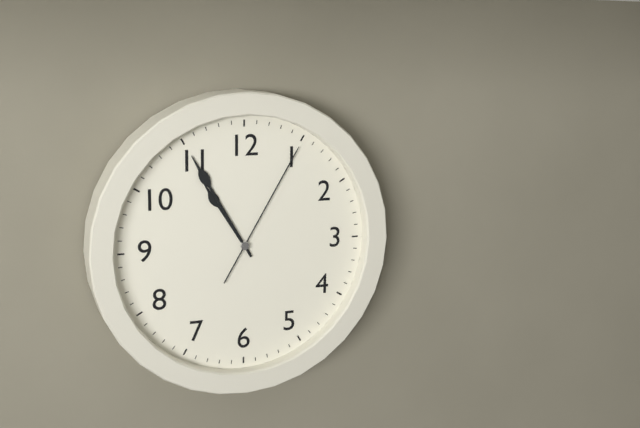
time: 10:55:05
